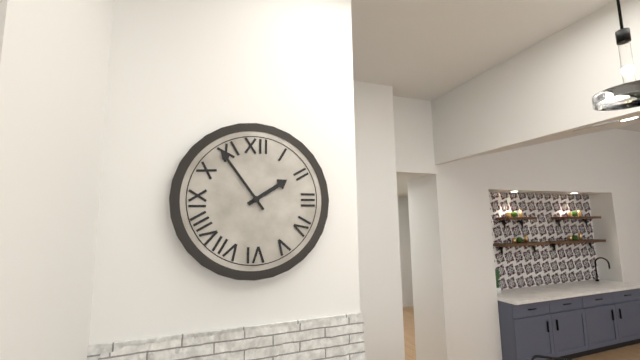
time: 1:54
